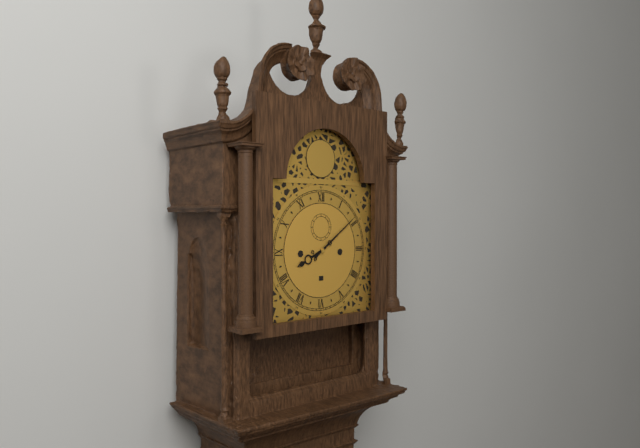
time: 8:09
